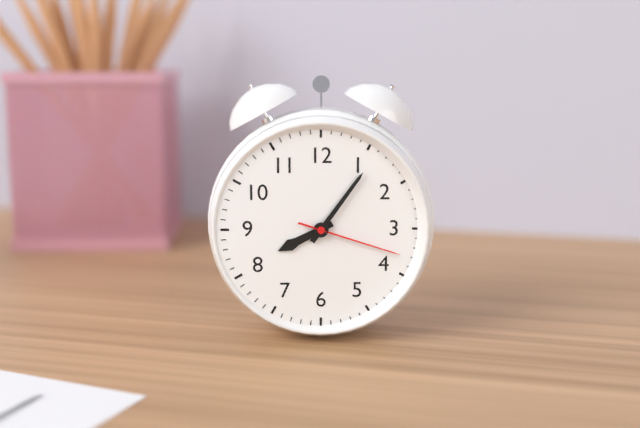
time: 8:06:18
